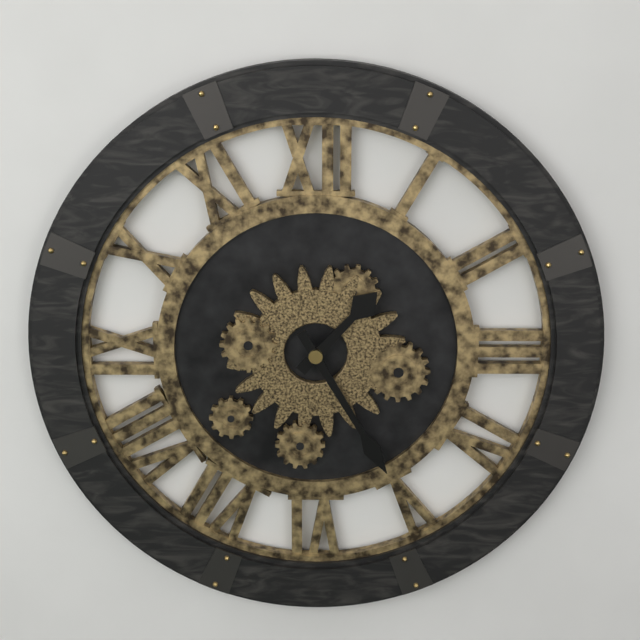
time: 1:25
